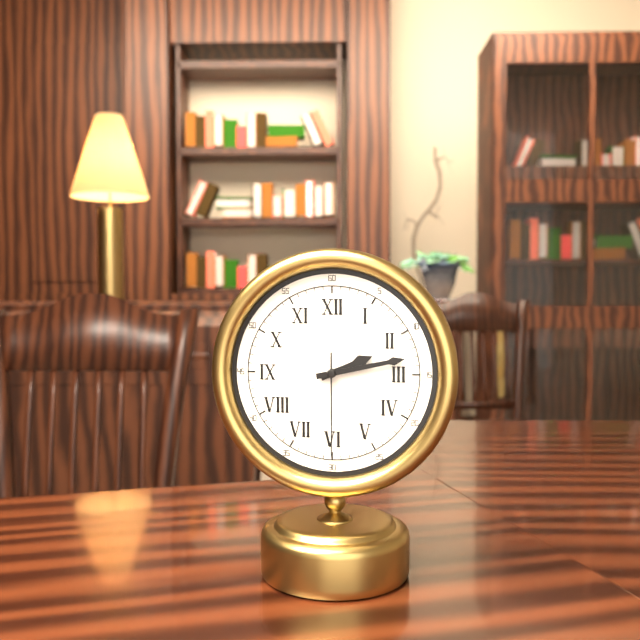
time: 2:13:30
